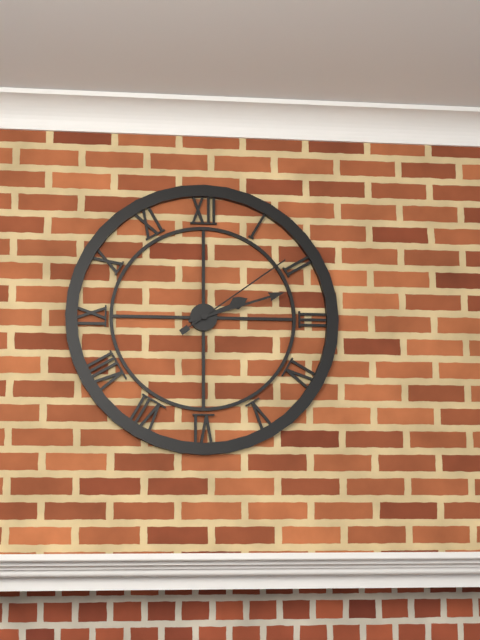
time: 2:12:09
